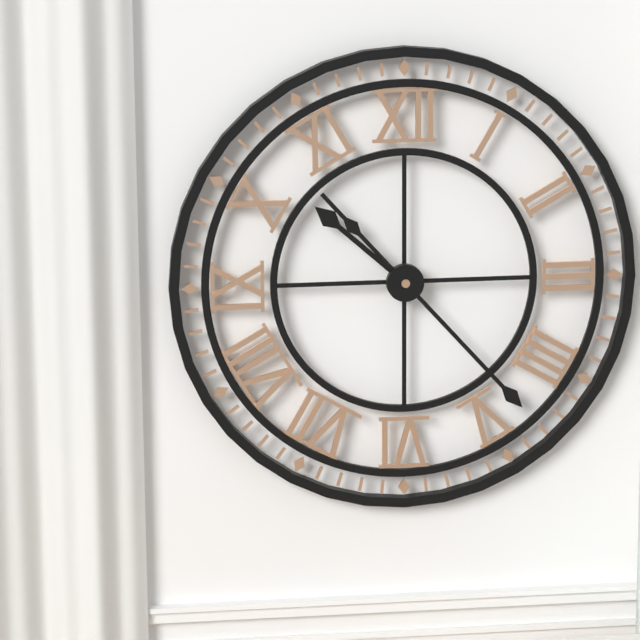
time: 10:23
